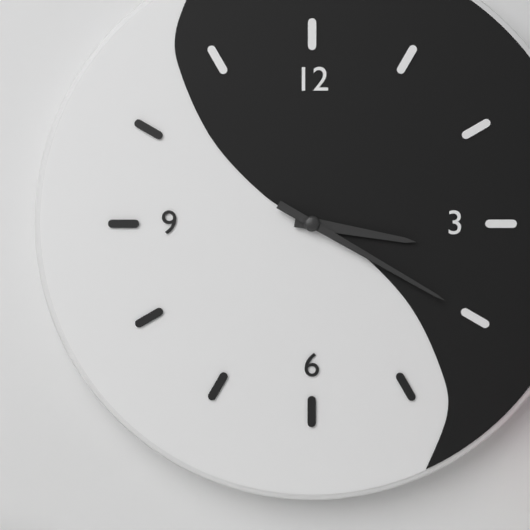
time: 3:20
